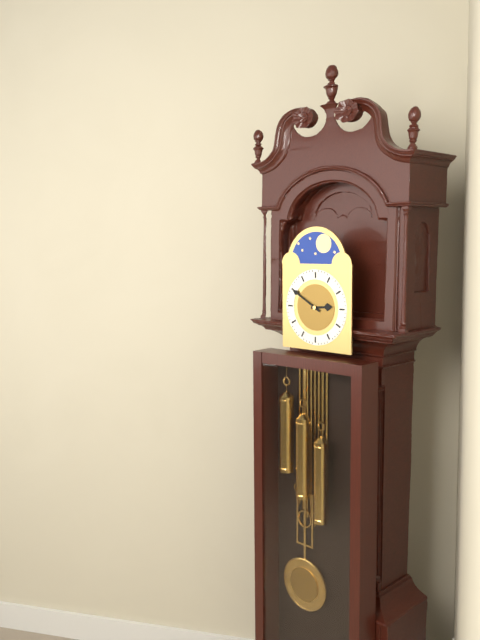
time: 2:50
